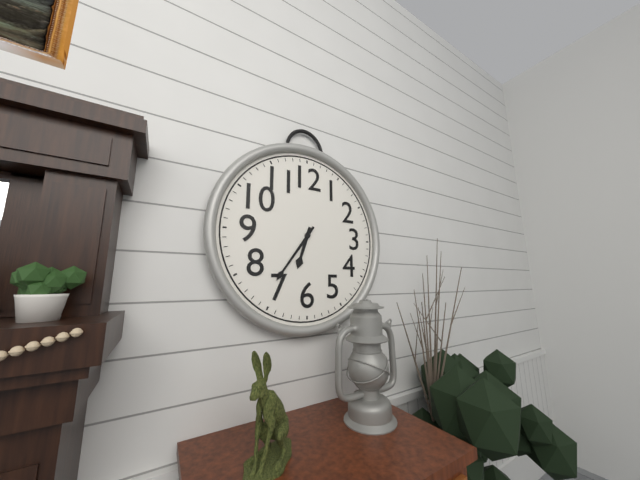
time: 6:36
